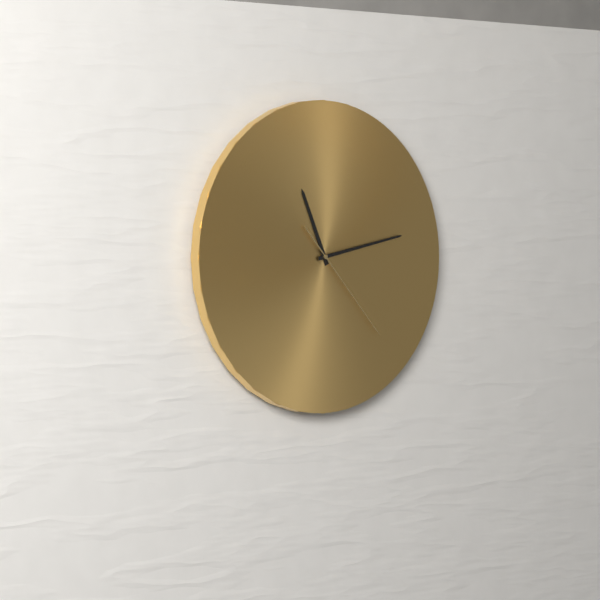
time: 11:13:23
